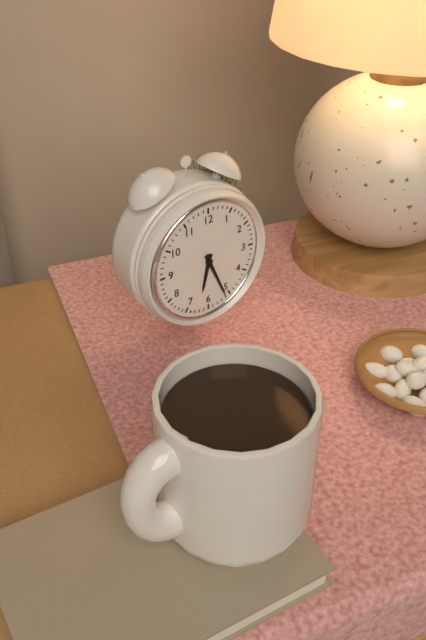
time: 6:26
